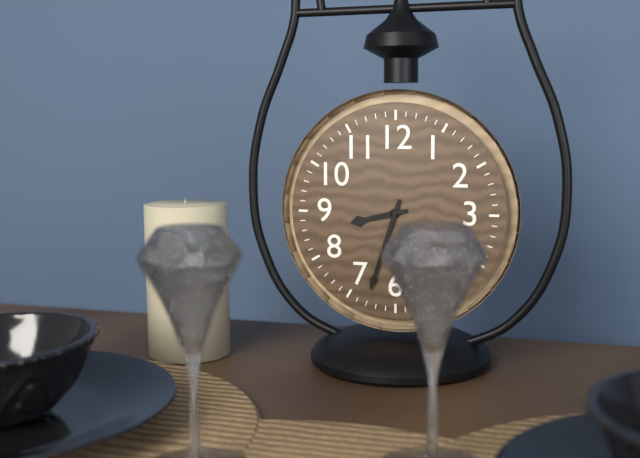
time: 8:33
